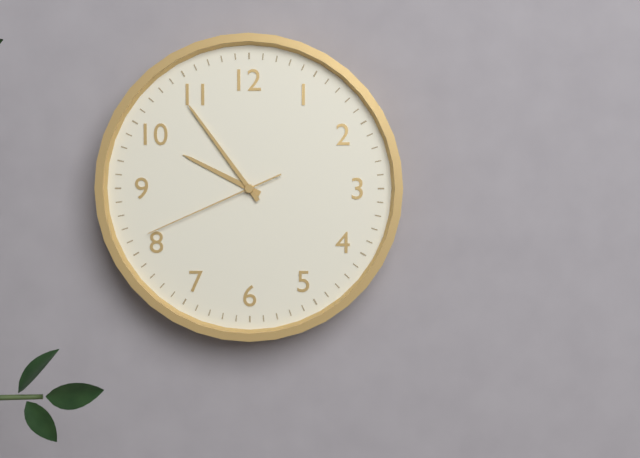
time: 9:54:41
